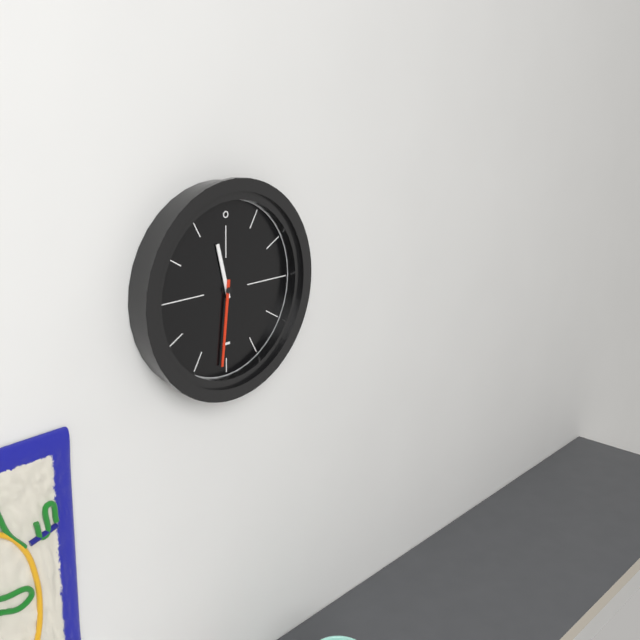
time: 11:31
